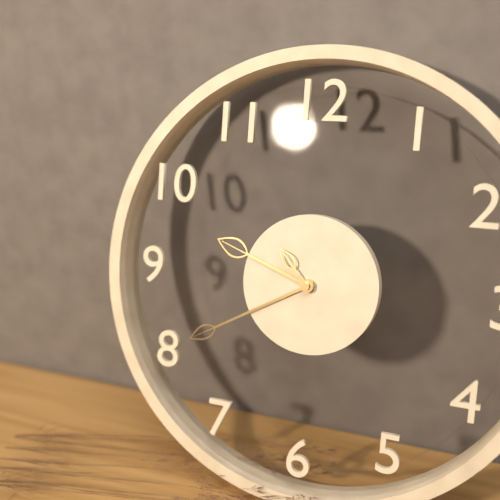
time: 9:40:53
